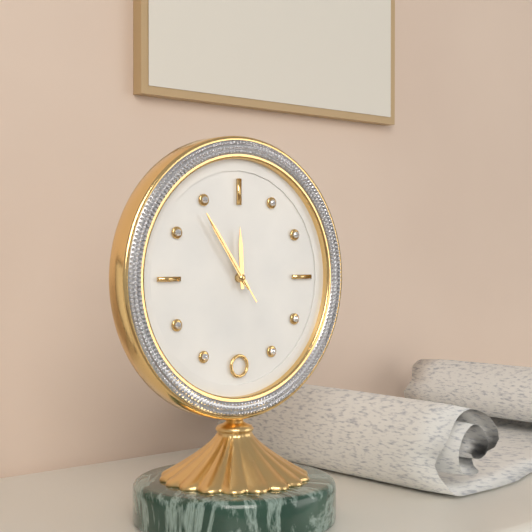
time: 11:54:54
